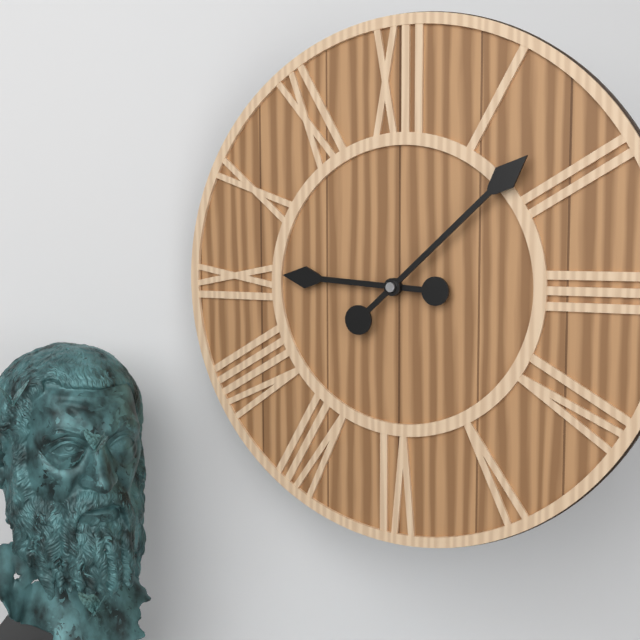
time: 9:08
